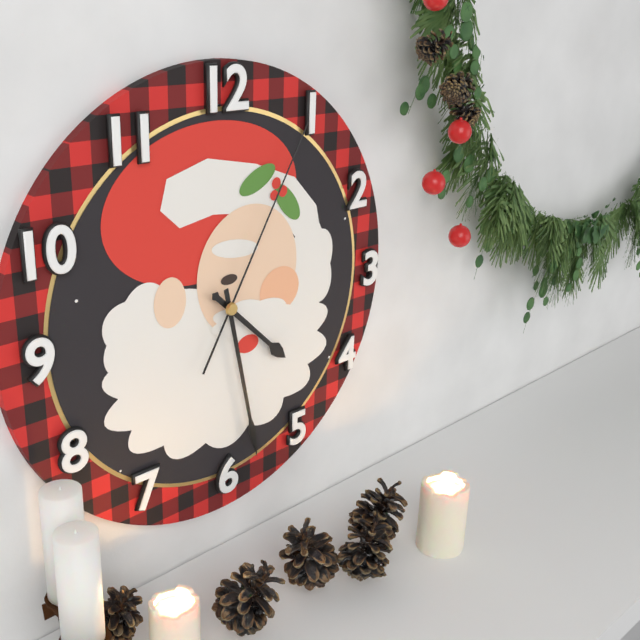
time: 4:28:05
